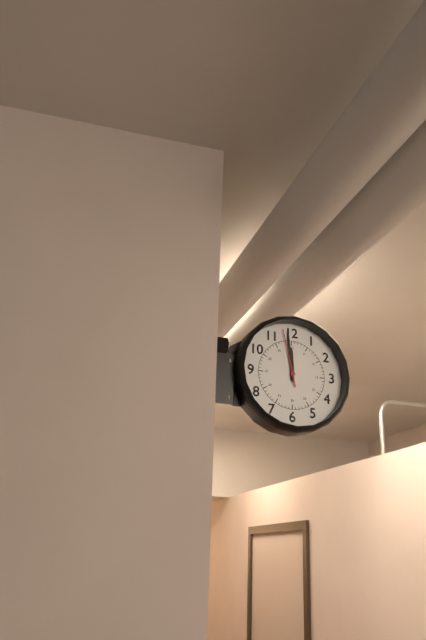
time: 11:59:58
